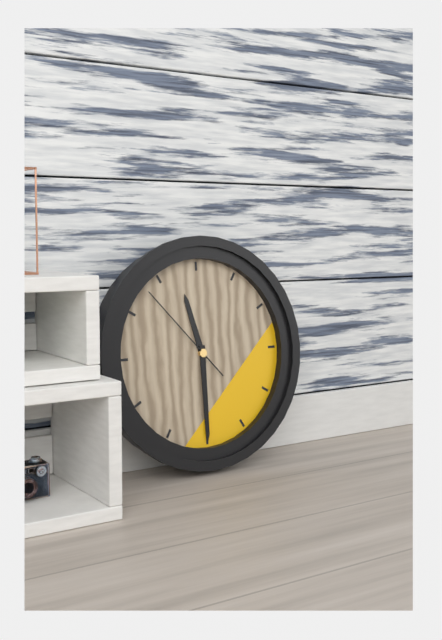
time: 11:30:53
